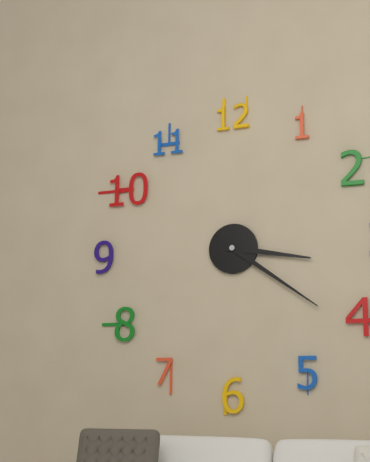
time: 3:21
